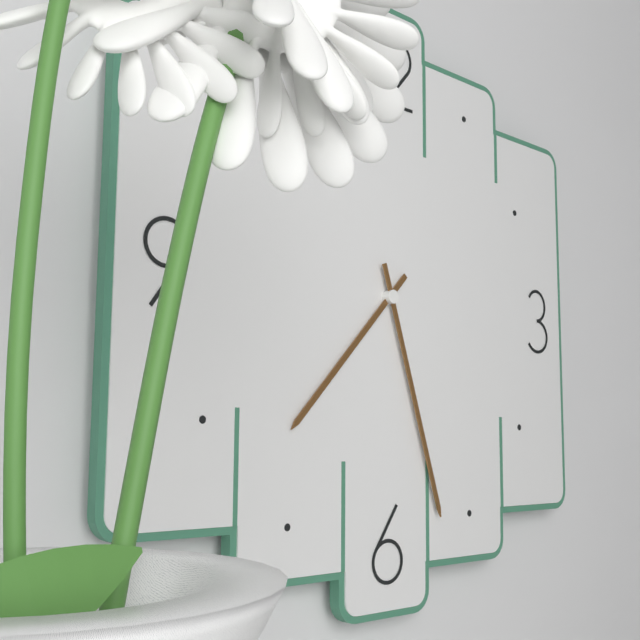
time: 7:27
